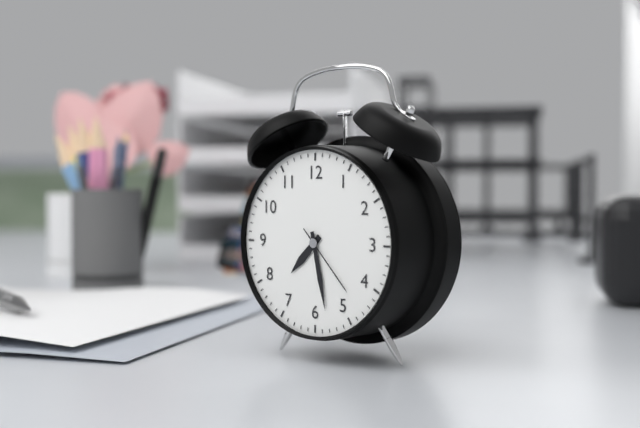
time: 7:28:23
